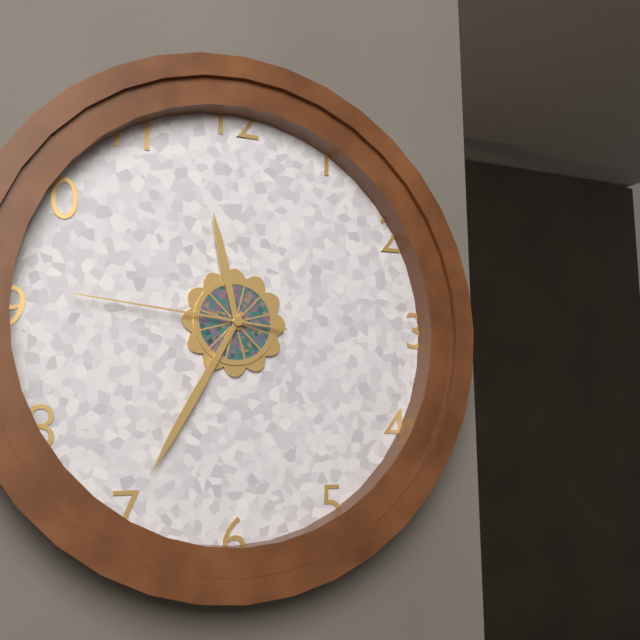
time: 11:35:46
